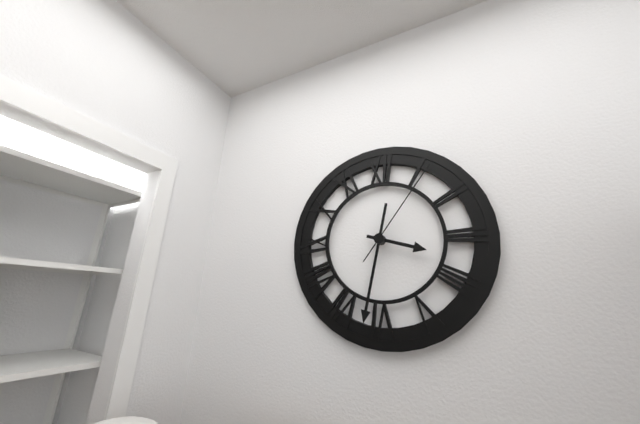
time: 3:32:06
